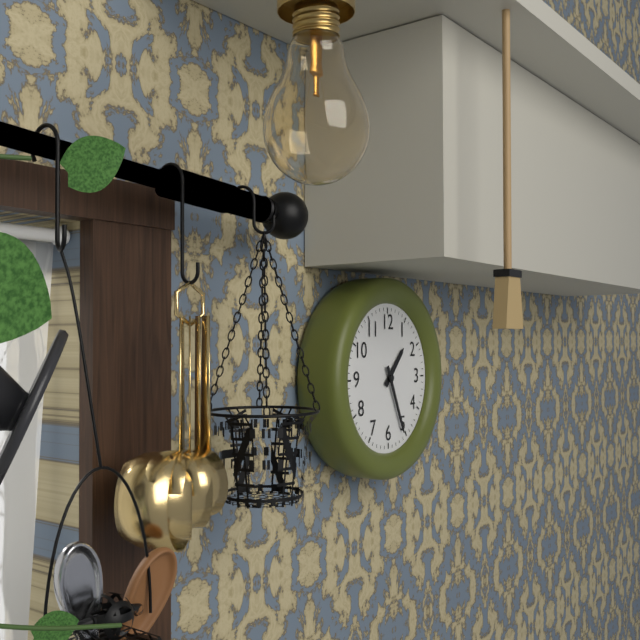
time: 1:26
